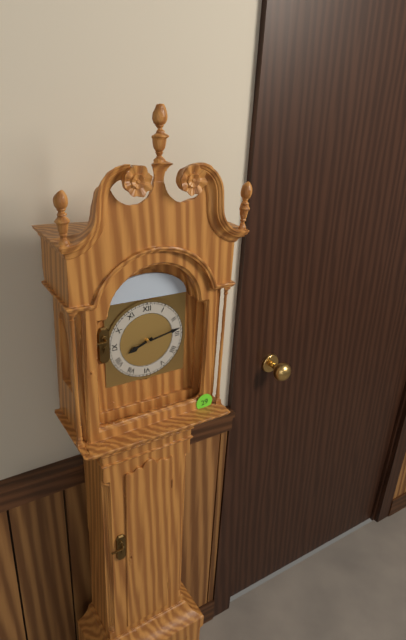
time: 8:13
